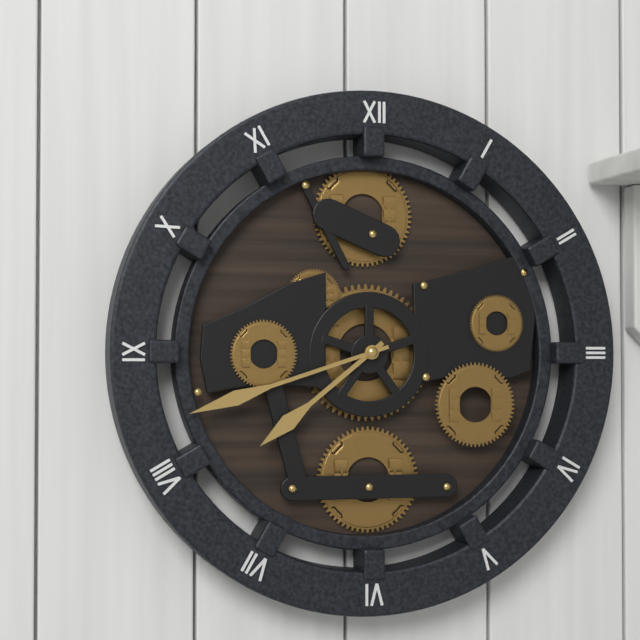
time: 7:42
